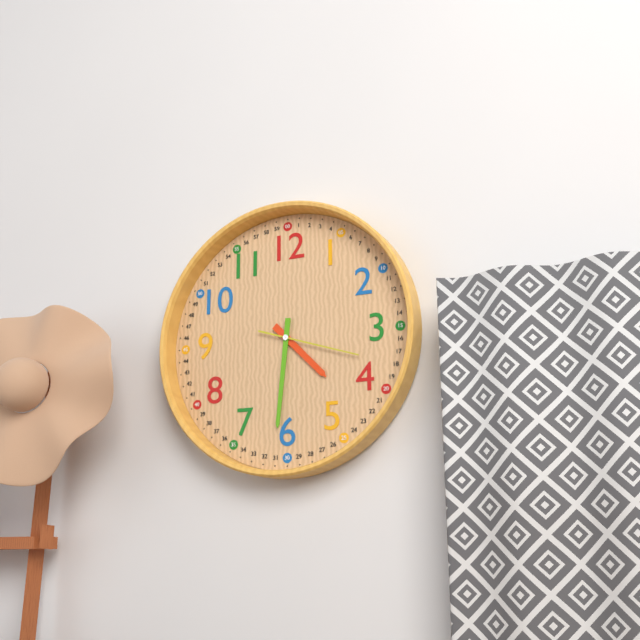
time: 4:31:18
